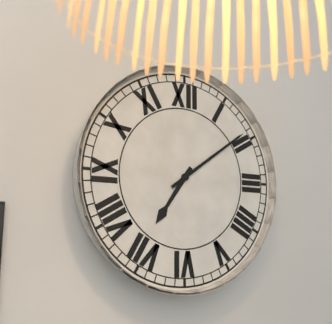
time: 7:09
